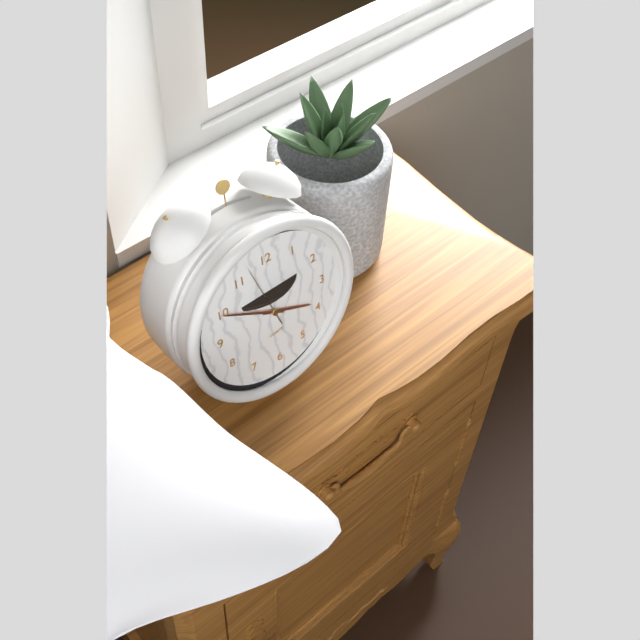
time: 3:50:57
